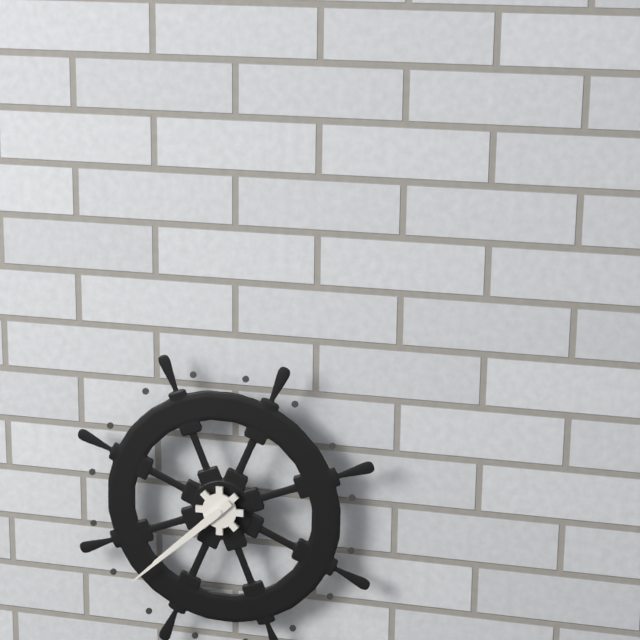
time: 7:38
